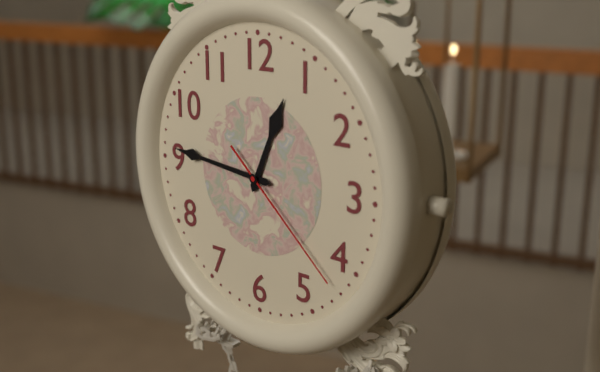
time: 12:46:22
